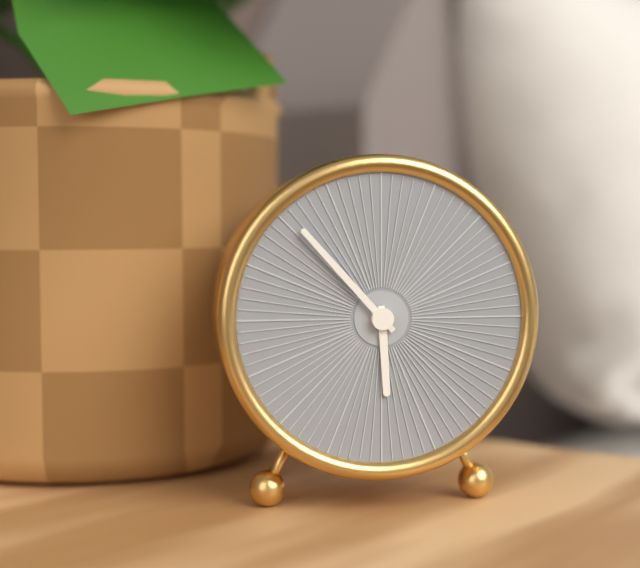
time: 5:53
